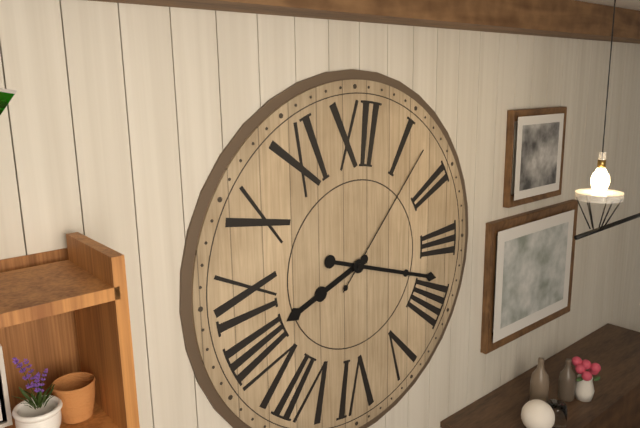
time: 8:18:07
